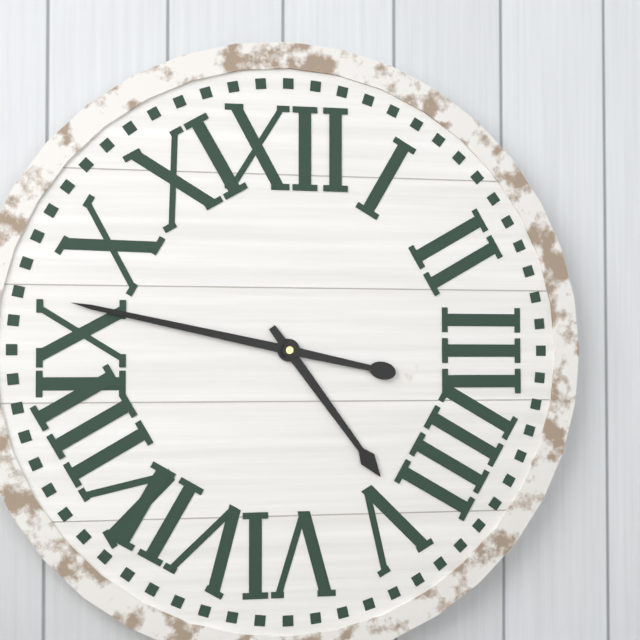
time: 4:47
